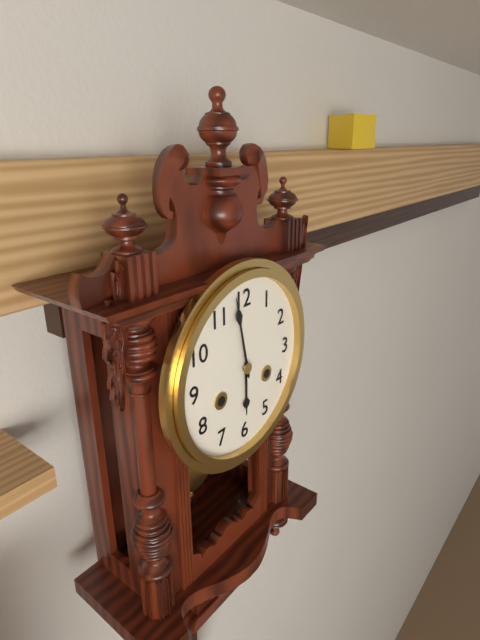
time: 5:58
